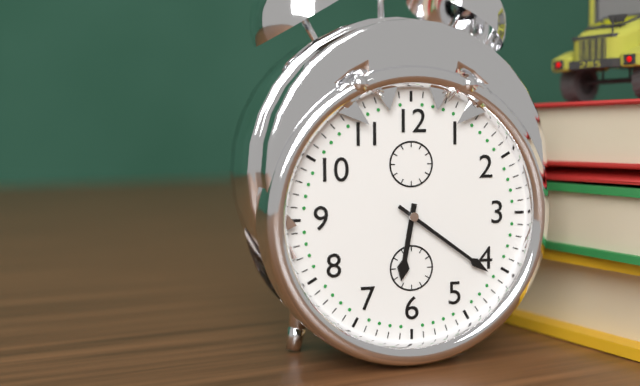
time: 6:21
